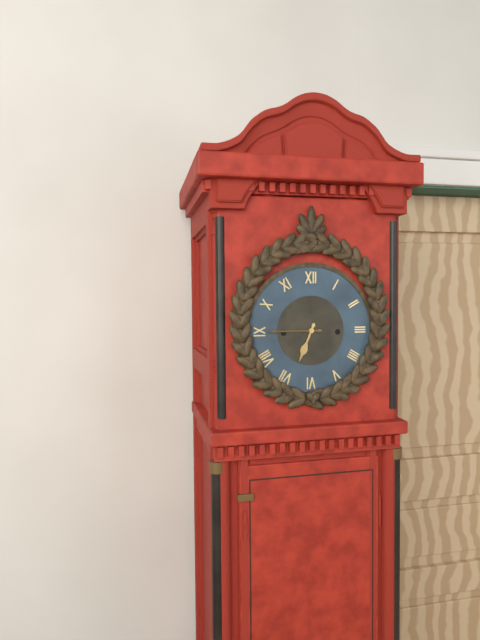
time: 6:45
